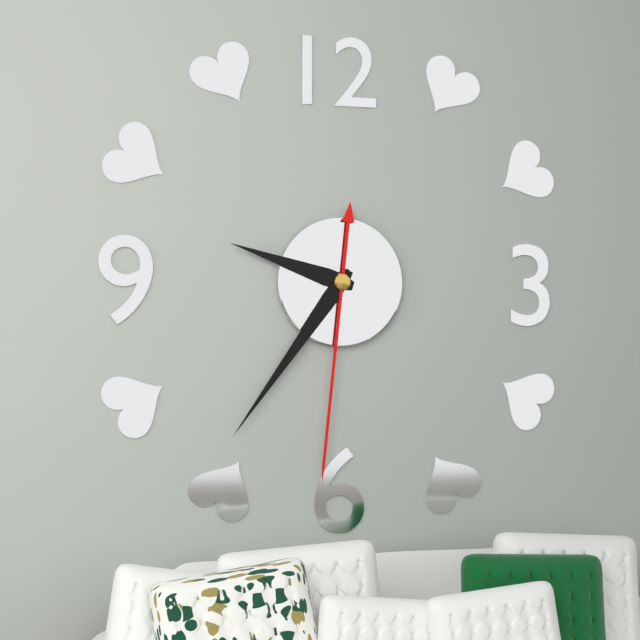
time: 9:36:31
